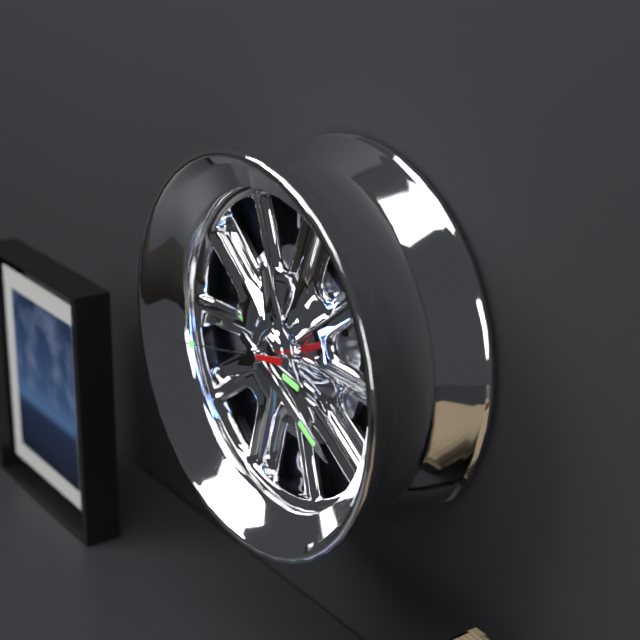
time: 3:20:43
